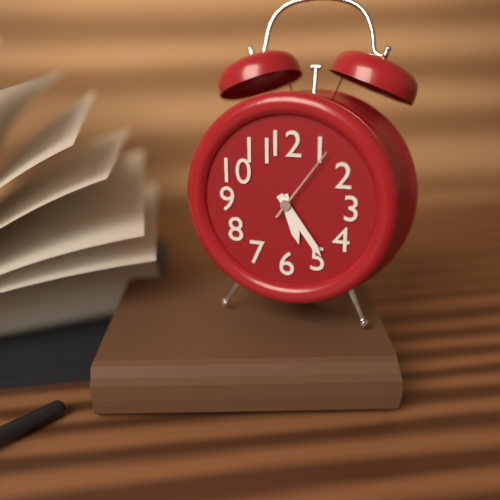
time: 5:24:06
